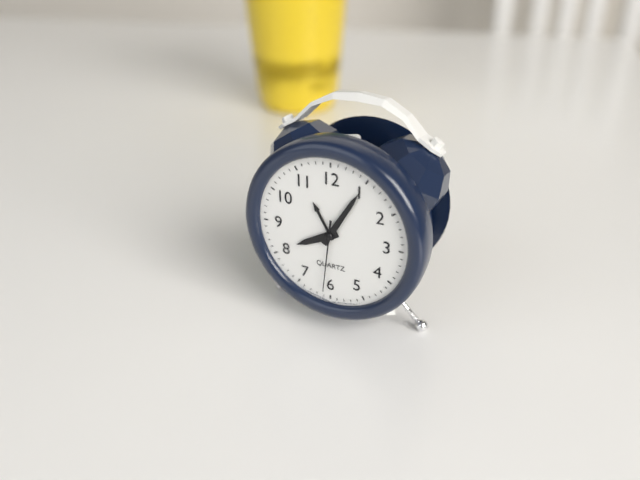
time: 8:05:31
